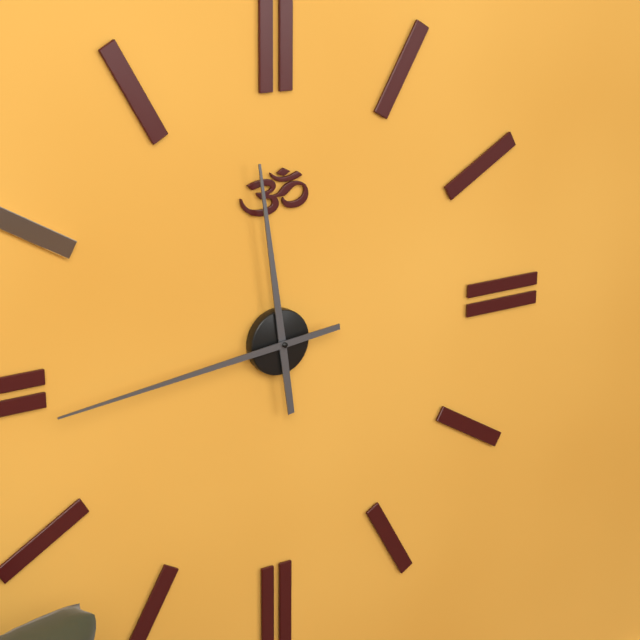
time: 11:44
